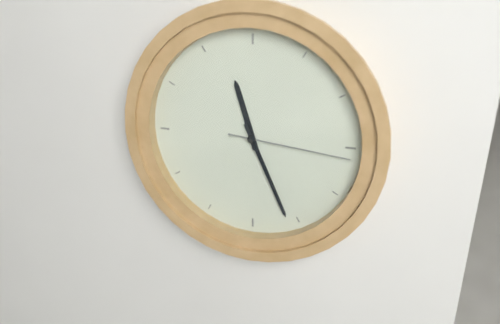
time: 11:26:16
